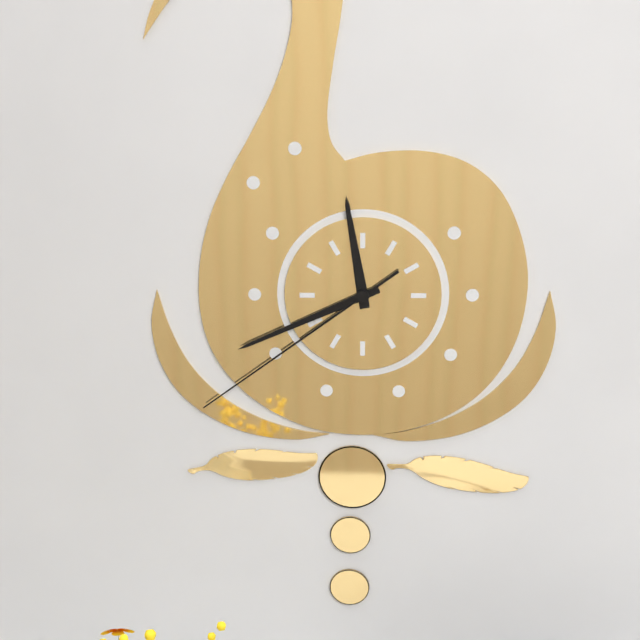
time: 11:41:39
